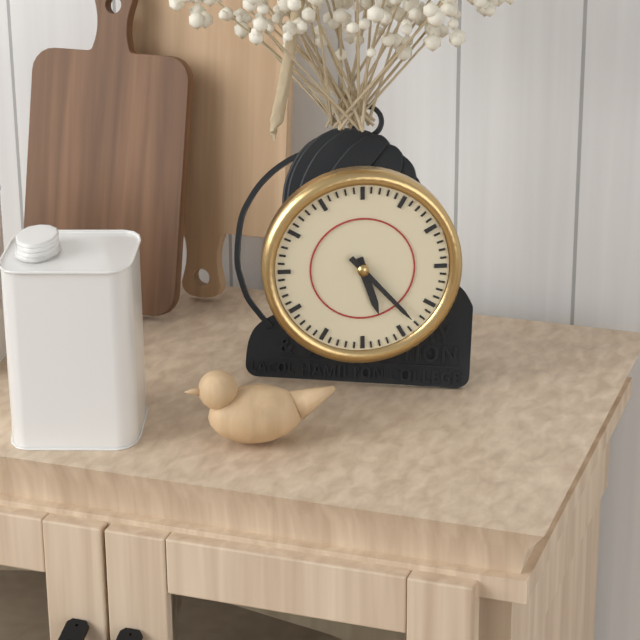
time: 5:23
